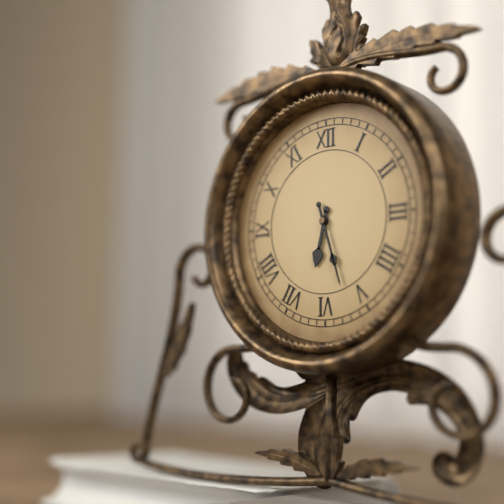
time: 6:27
